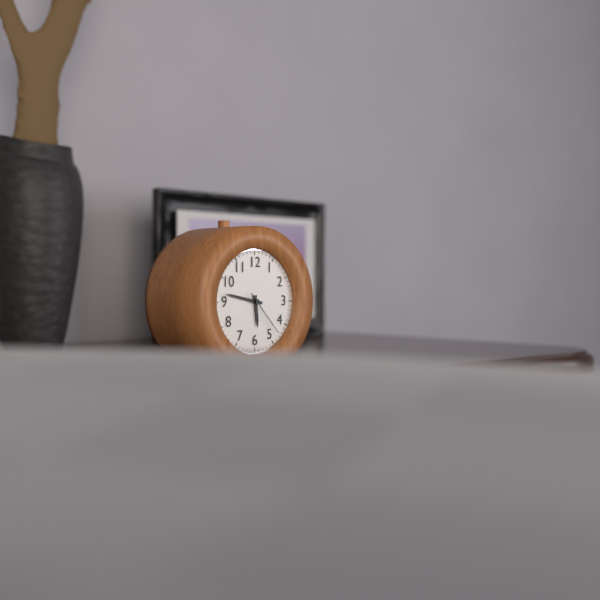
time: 5:47
